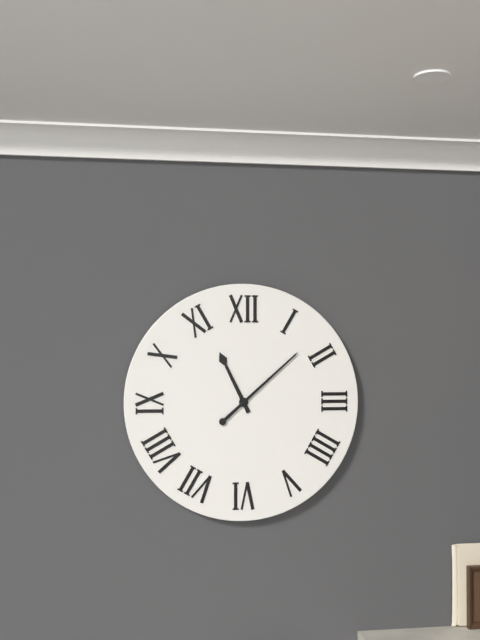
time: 11:08
